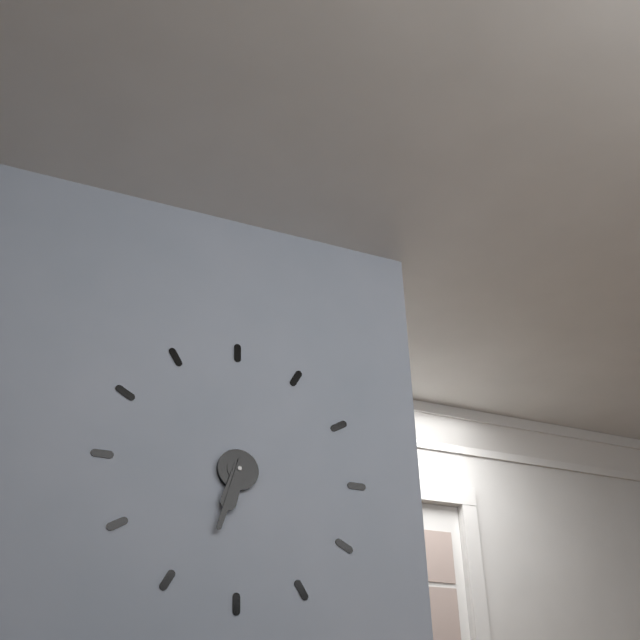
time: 6:33
